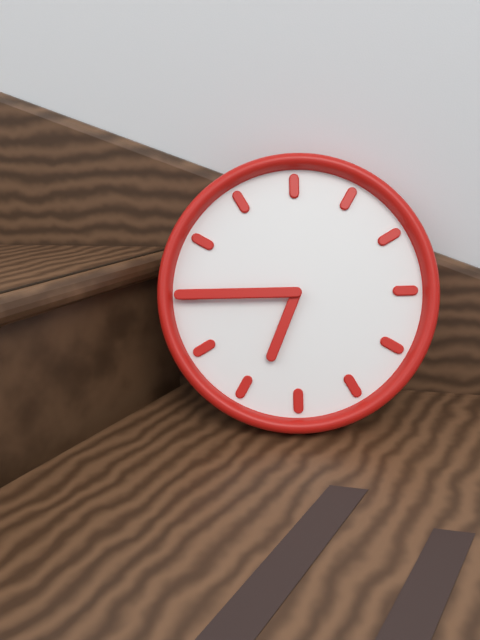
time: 6:45
